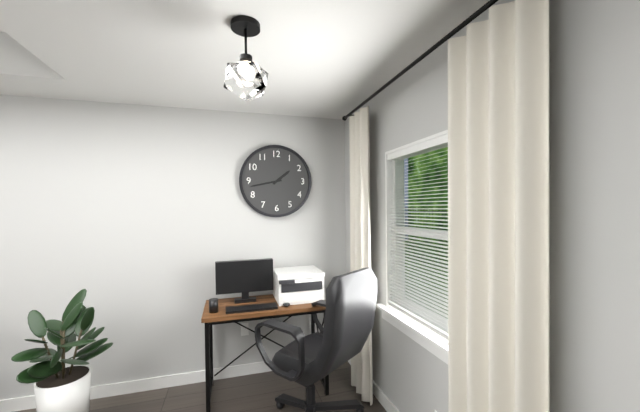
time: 1:43
